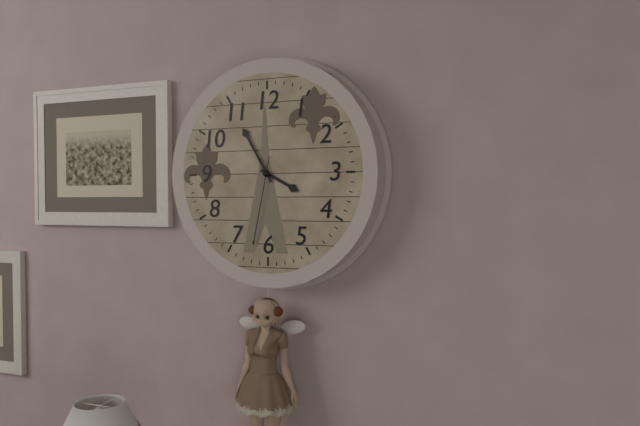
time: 3:55:32
